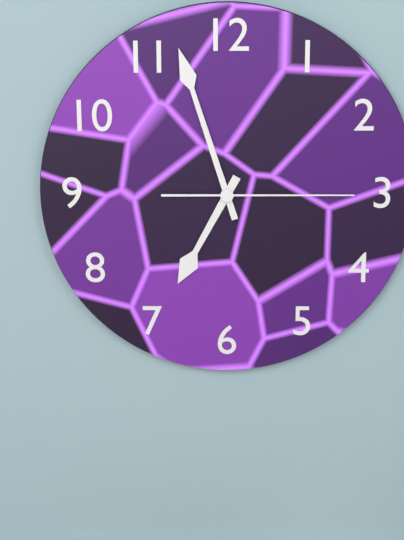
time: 6:57:15
